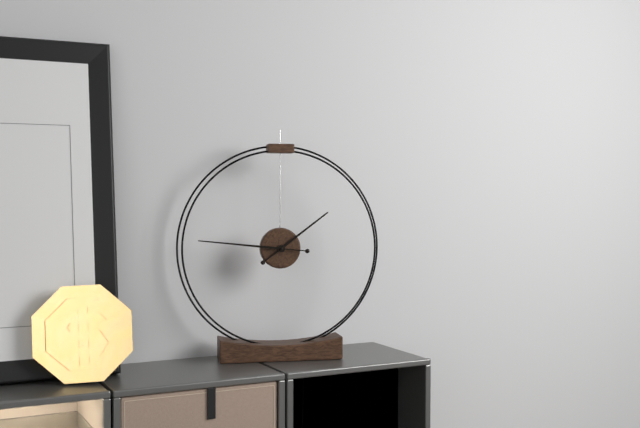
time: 1:46
